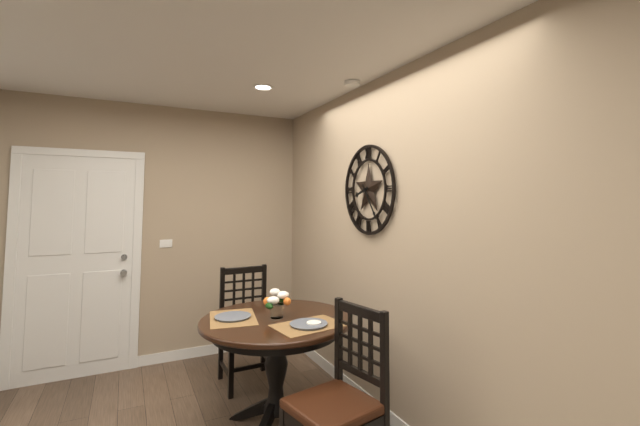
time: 8:24
